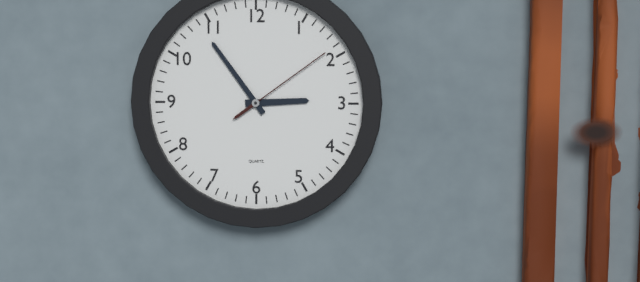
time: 2:54:09
